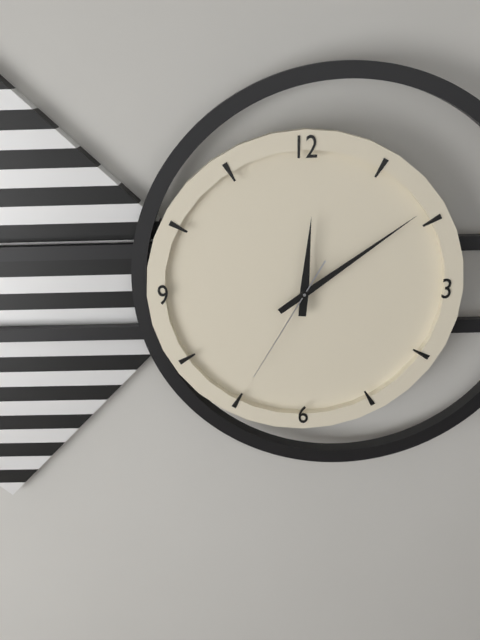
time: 12:09:35
